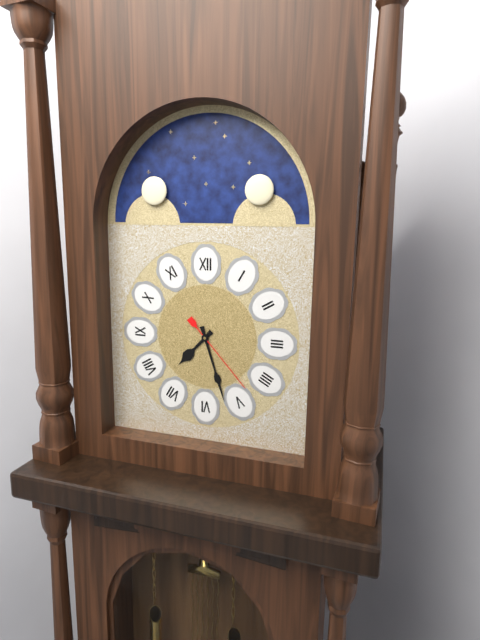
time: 7:27:23
